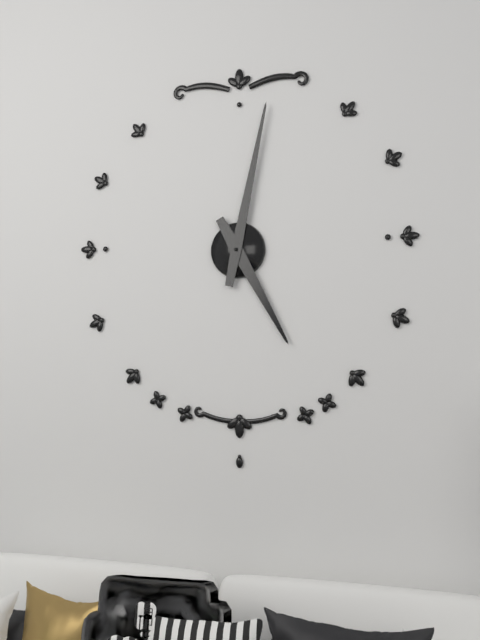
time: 5:02
